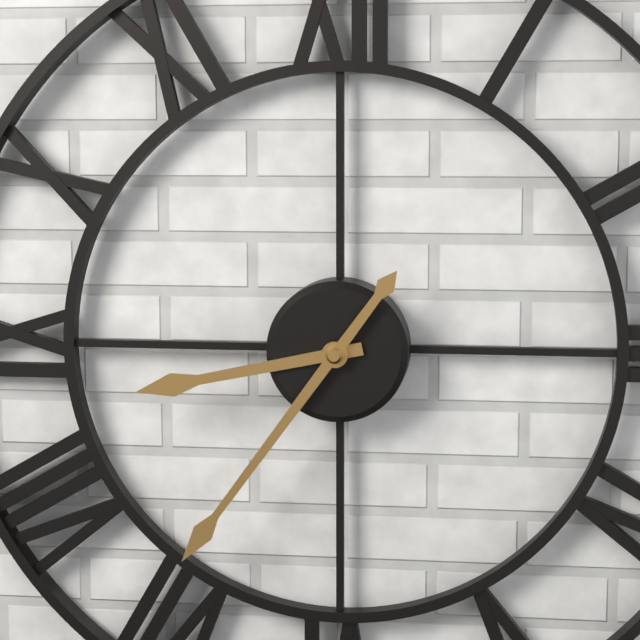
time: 8:36
